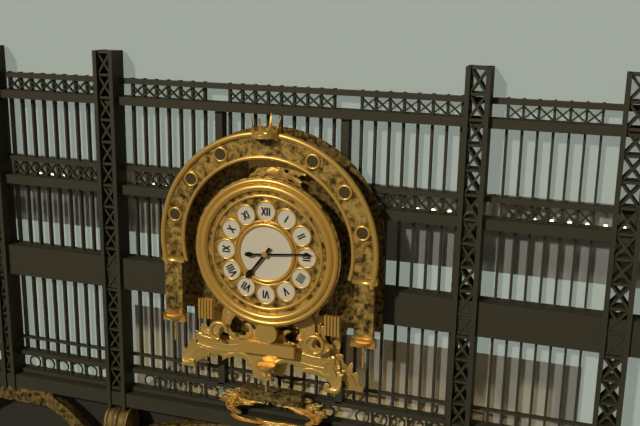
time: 7:14
